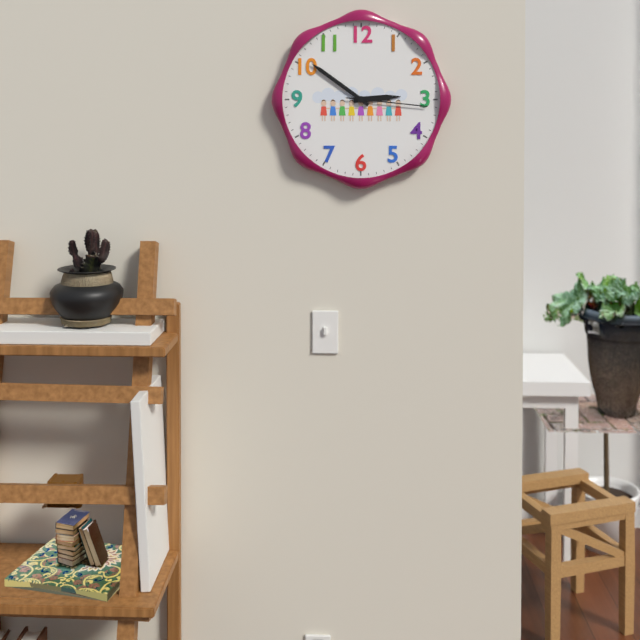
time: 2:51:16
